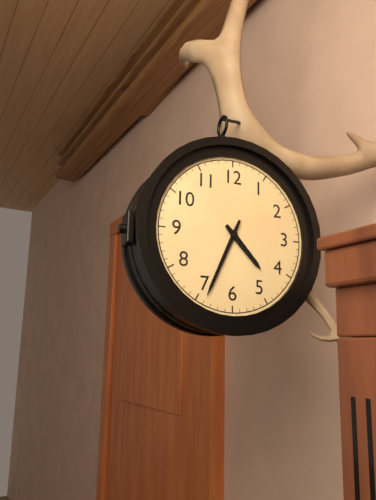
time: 4:34
